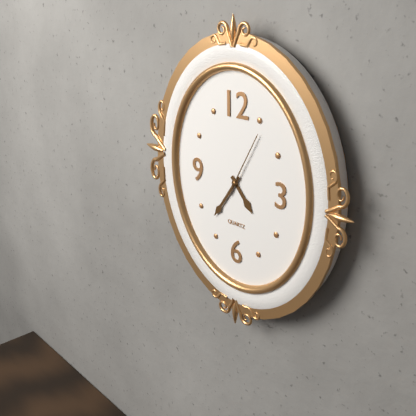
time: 4:36:05
